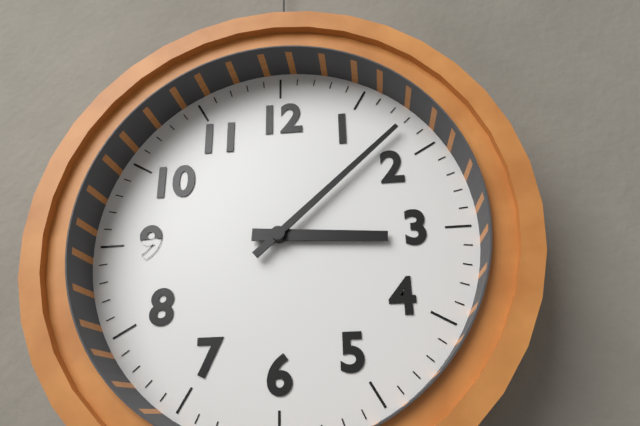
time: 3:08
